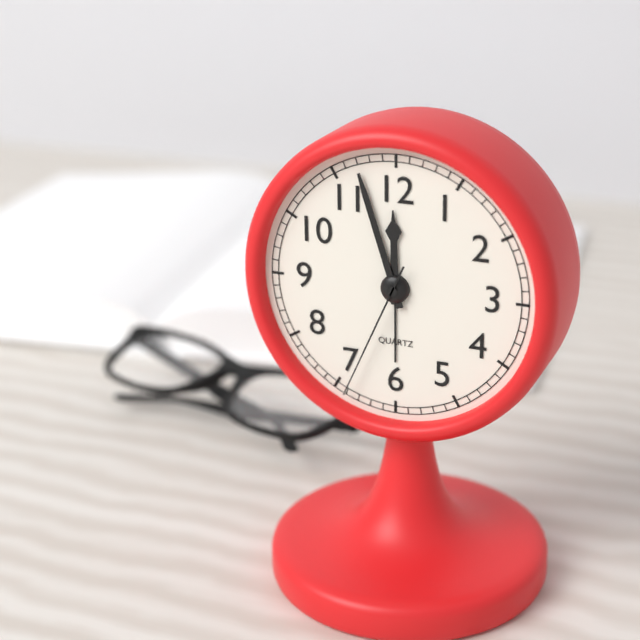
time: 11:57:34
